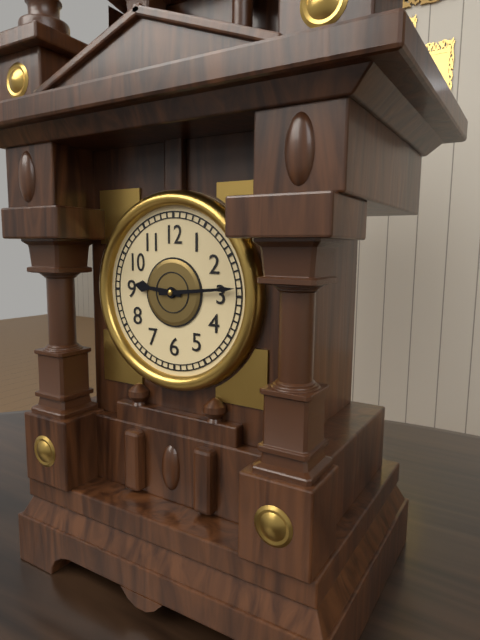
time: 9:14
